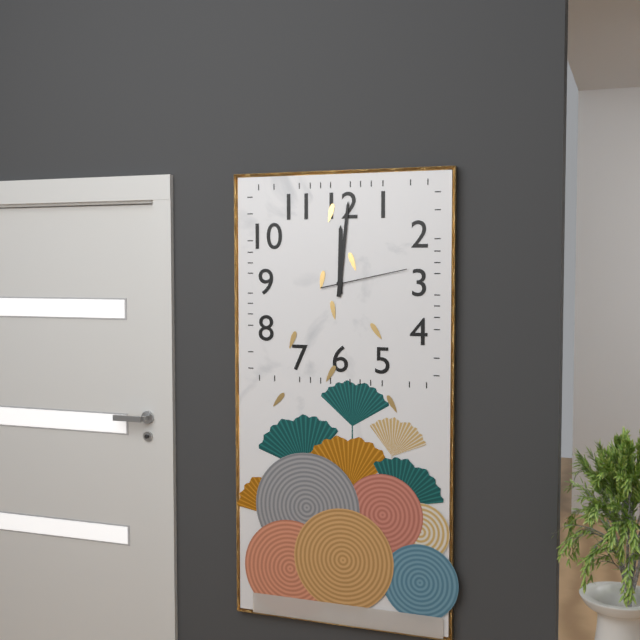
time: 12:01:13
